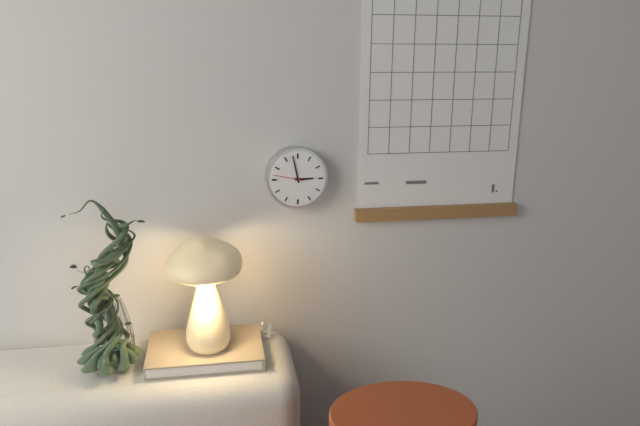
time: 2:58
